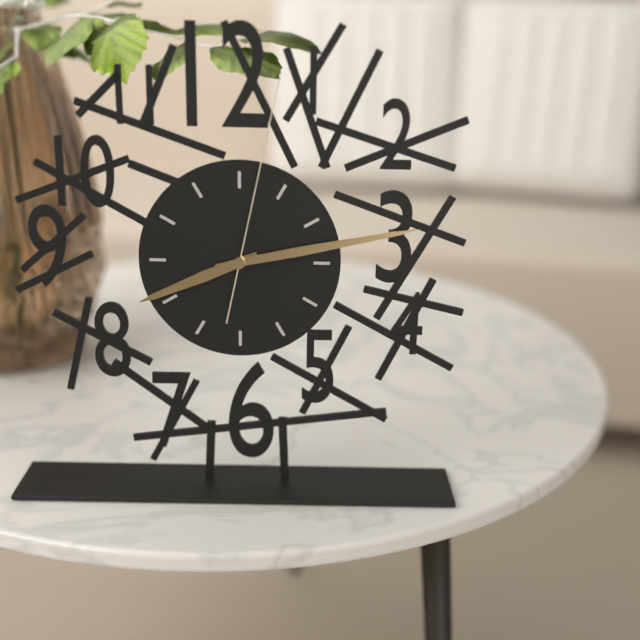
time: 8:13:02
